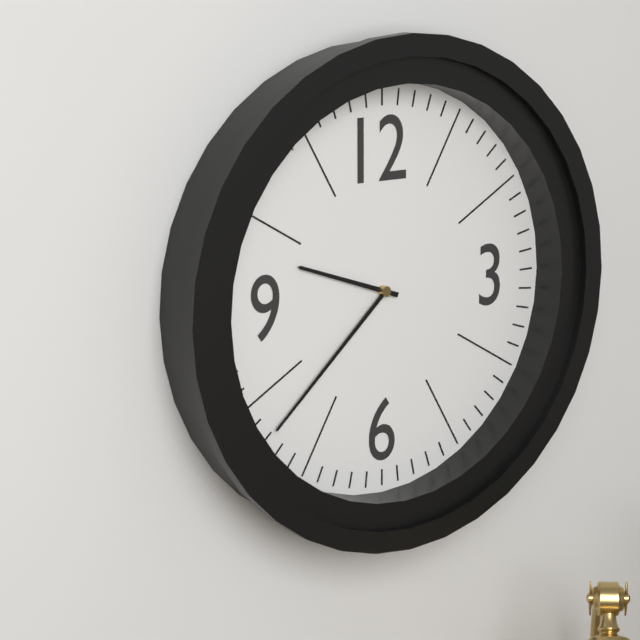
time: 9:38
